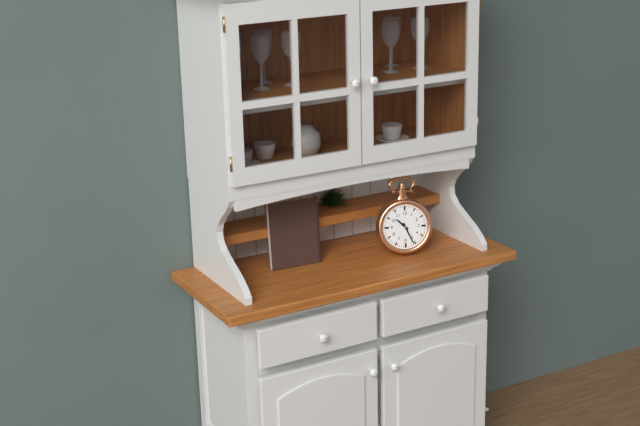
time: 10:26
